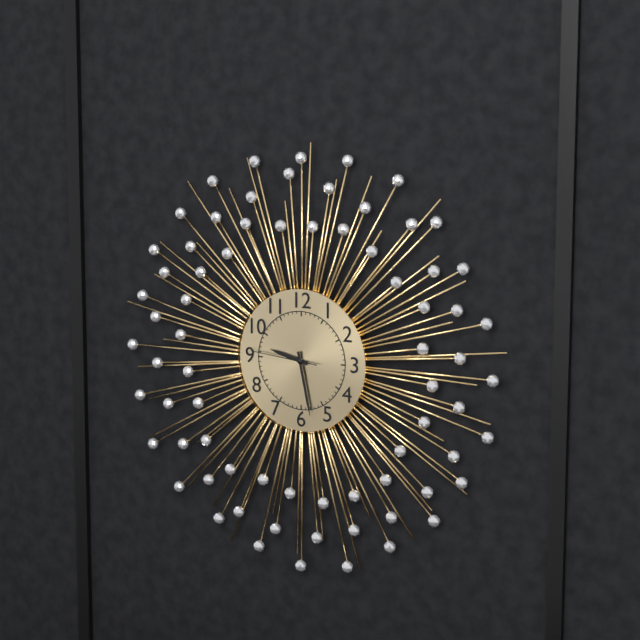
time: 9:28:46
